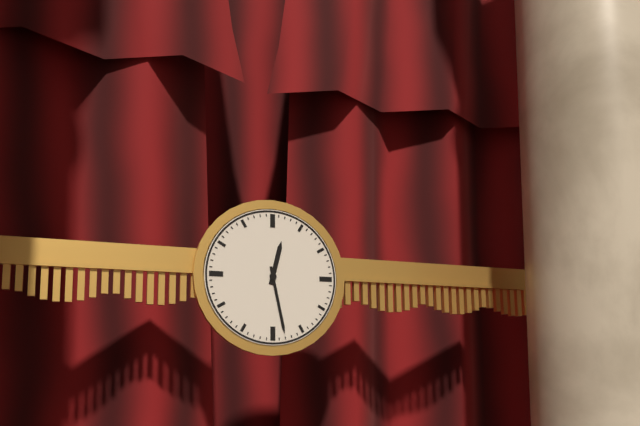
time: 12:28
